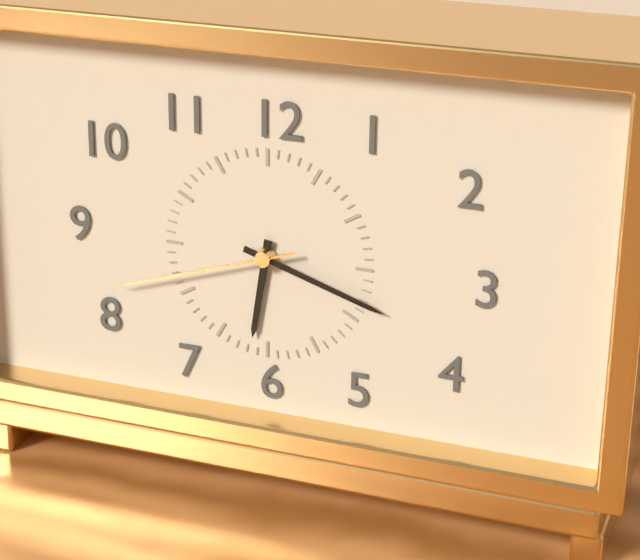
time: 6:18:42
